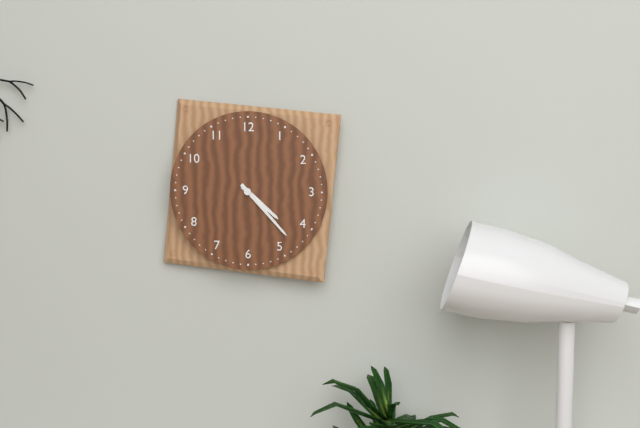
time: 4:23
